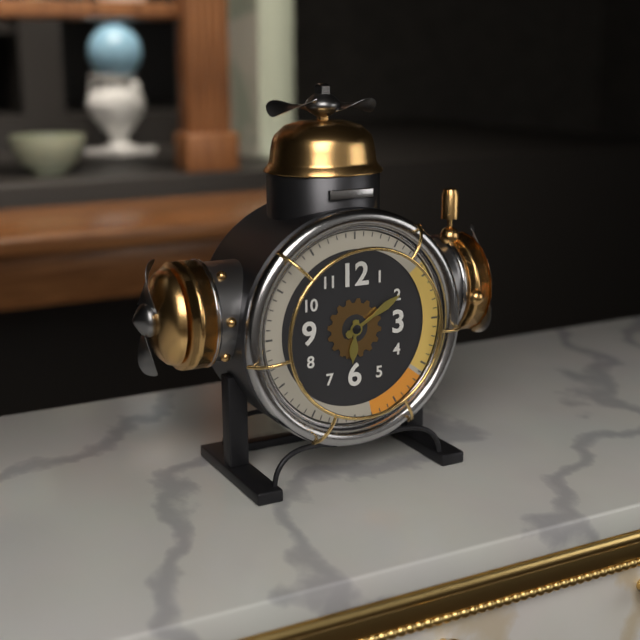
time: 6:10
